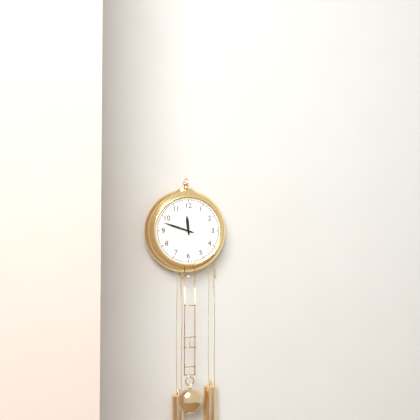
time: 11:48
